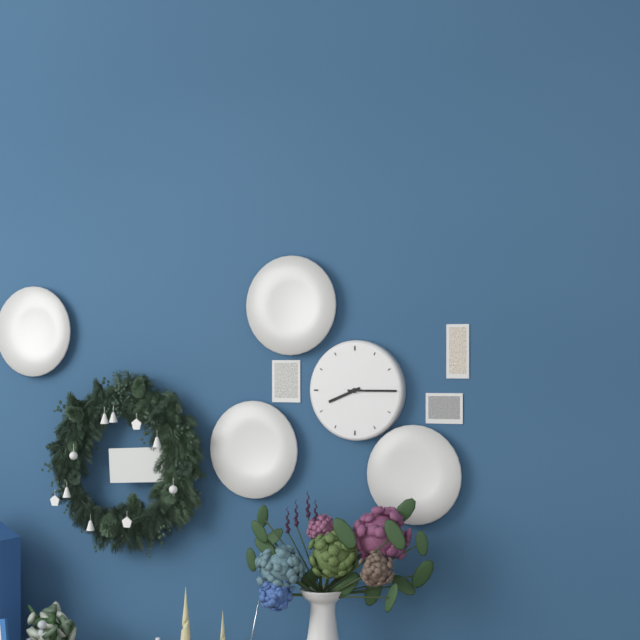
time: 8:15
